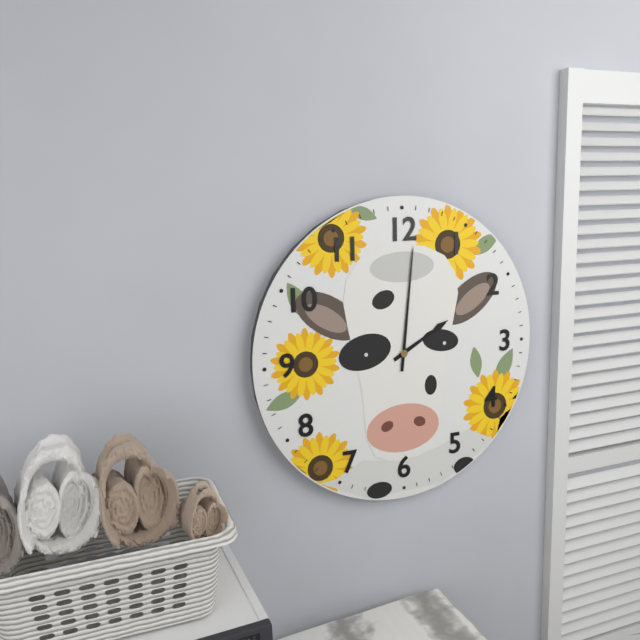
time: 2:01
